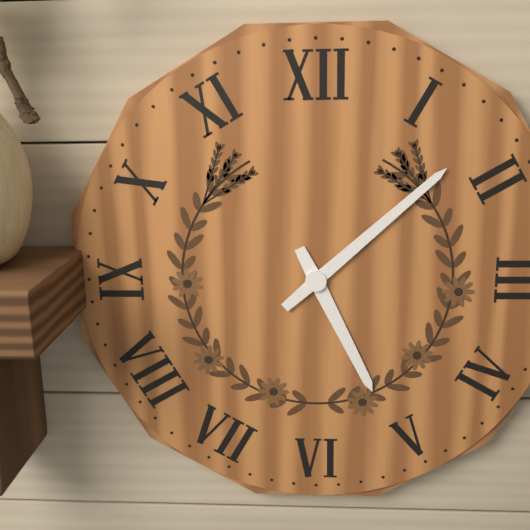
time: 5:08
